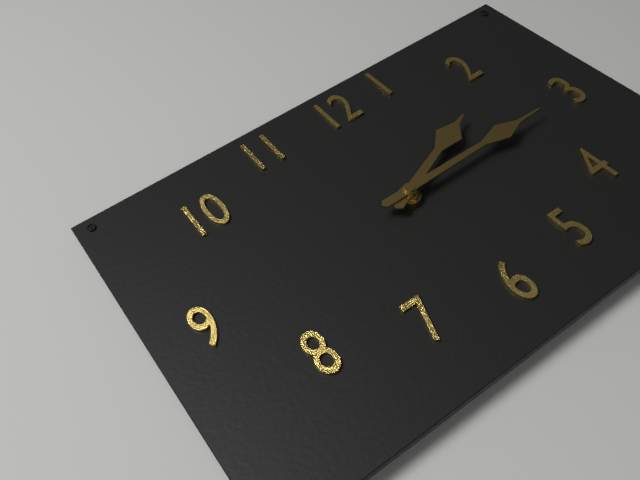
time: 2:15
